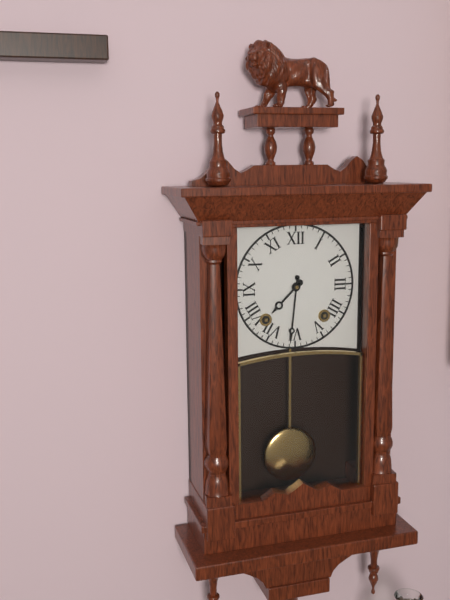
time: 7:31
